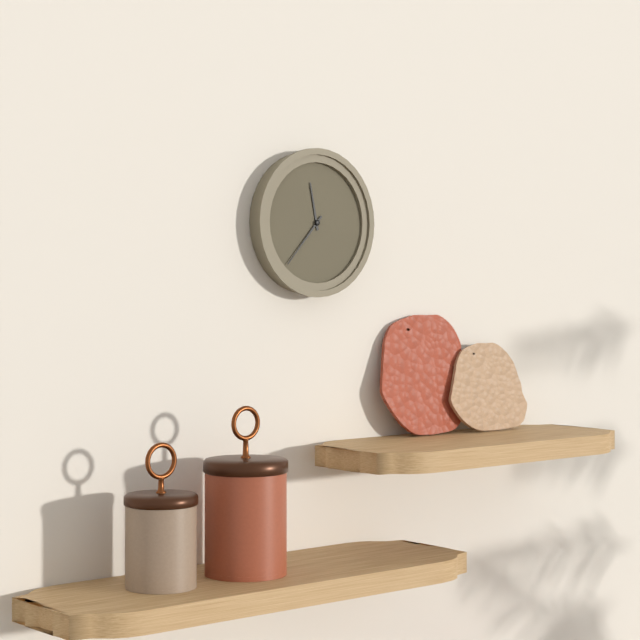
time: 11:37
